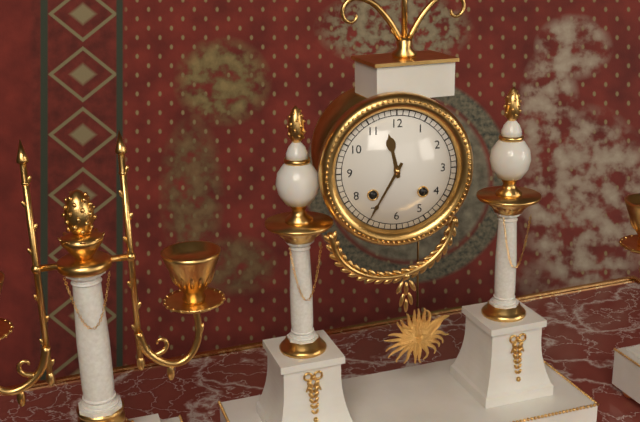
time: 11:35
